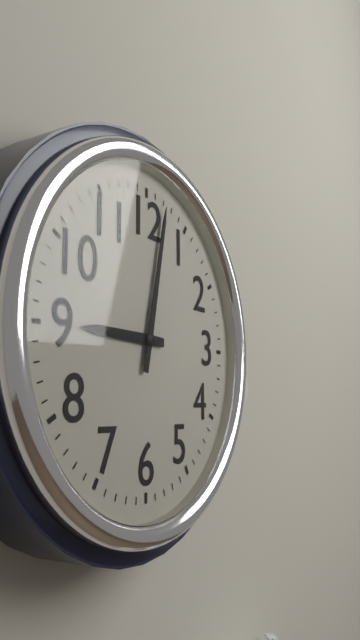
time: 9:02
